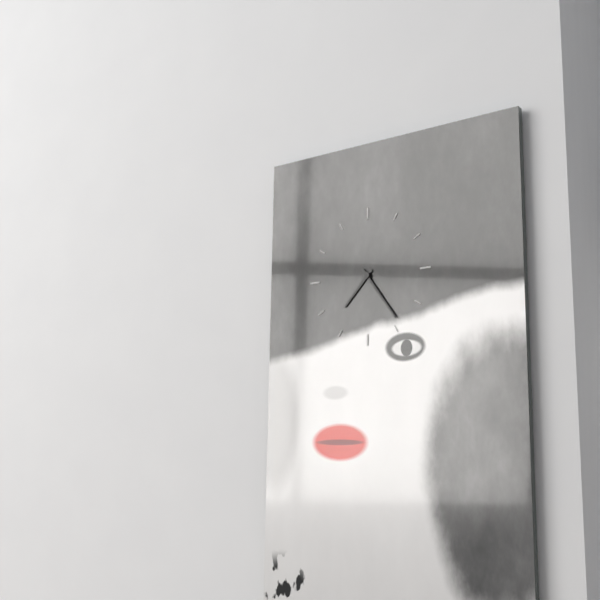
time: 7:24
